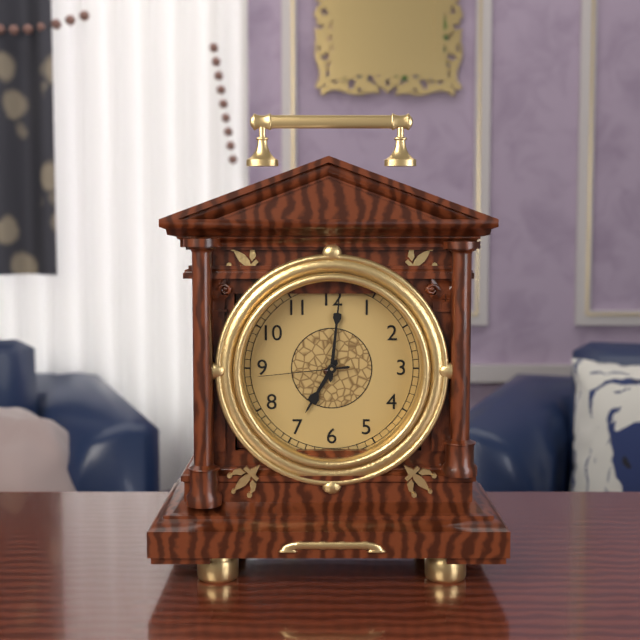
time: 7:01:44
